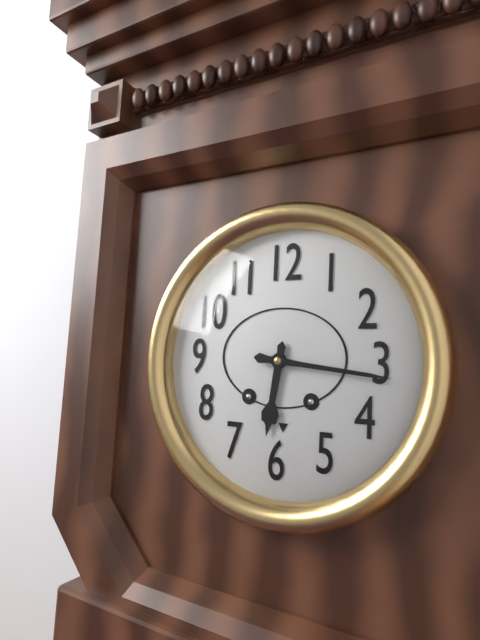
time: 6:16
